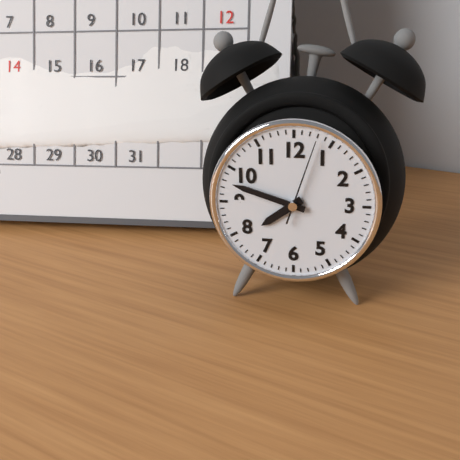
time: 7:48:03
